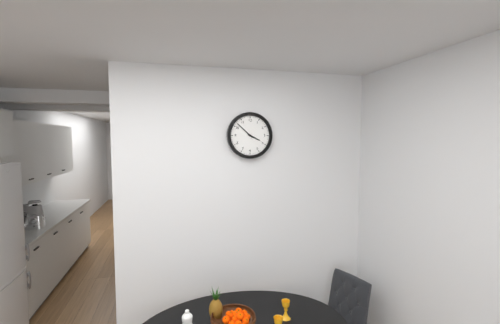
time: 3:52
